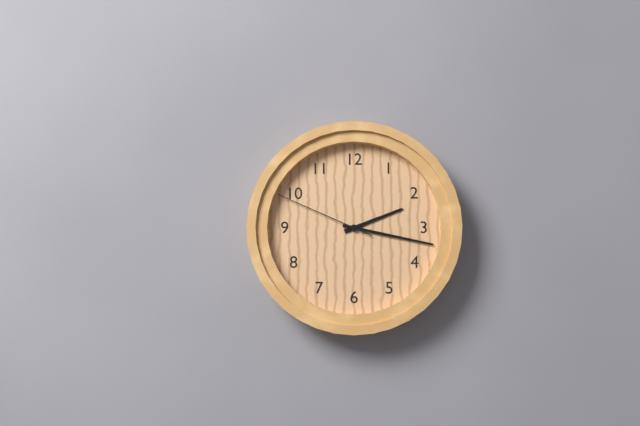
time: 2:17:49
